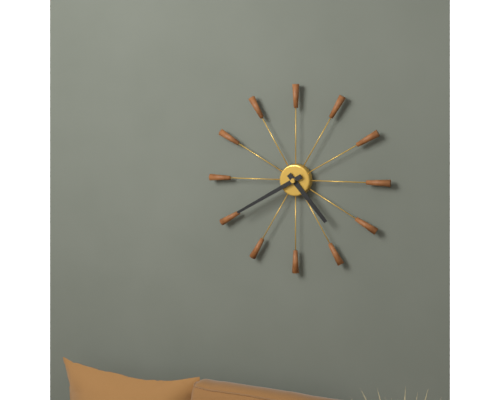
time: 4:40
